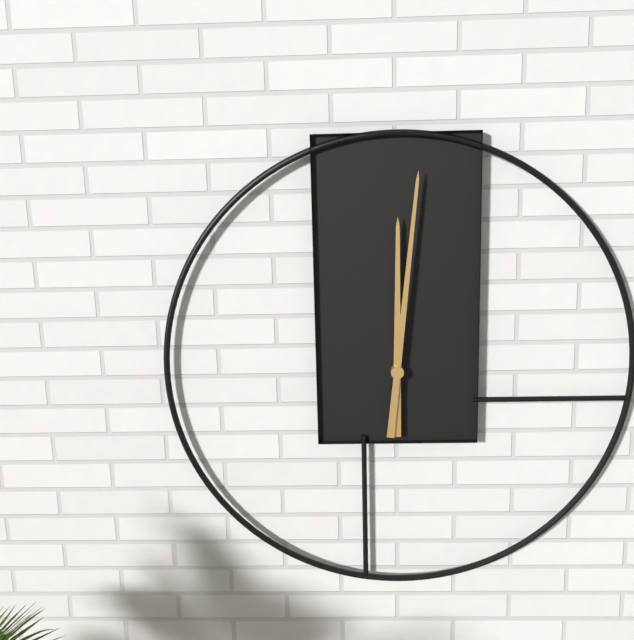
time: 12:01
